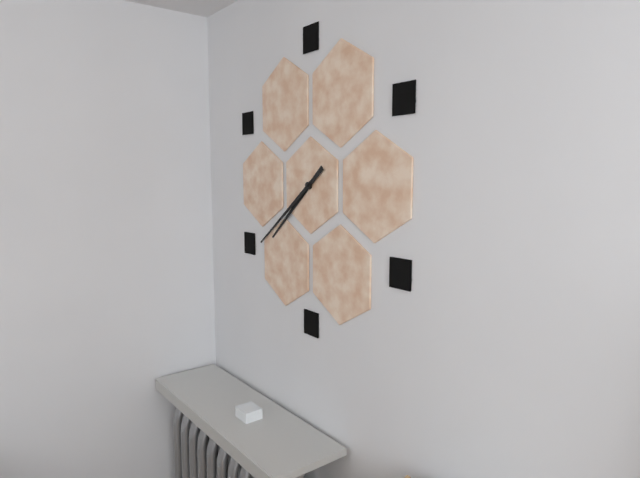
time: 7:39
